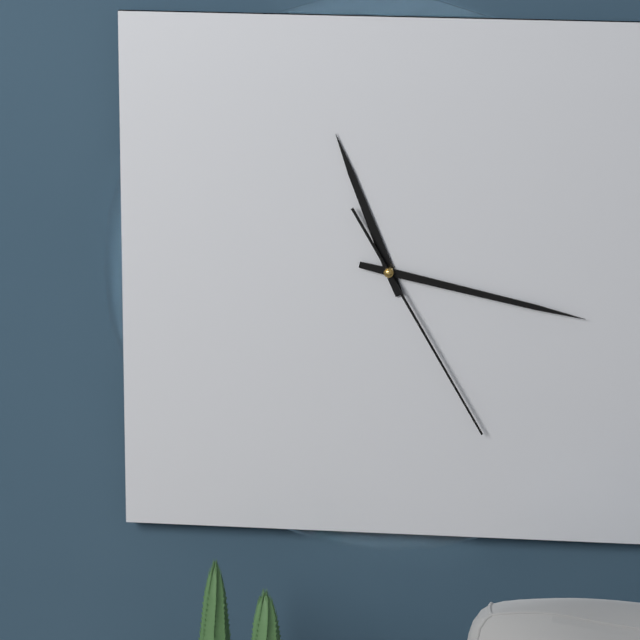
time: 11:17:25
